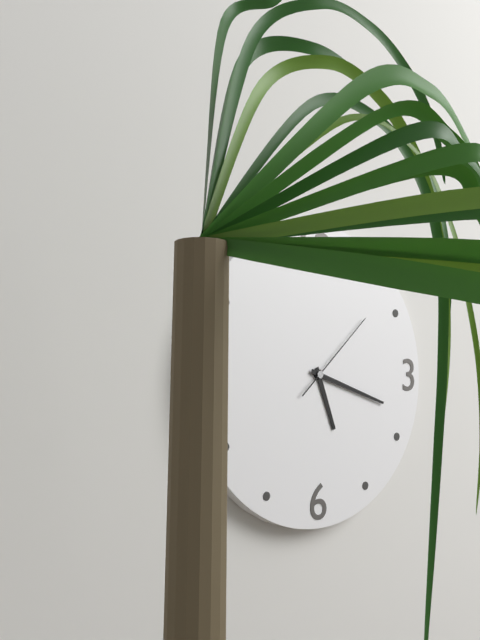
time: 5:18:08
